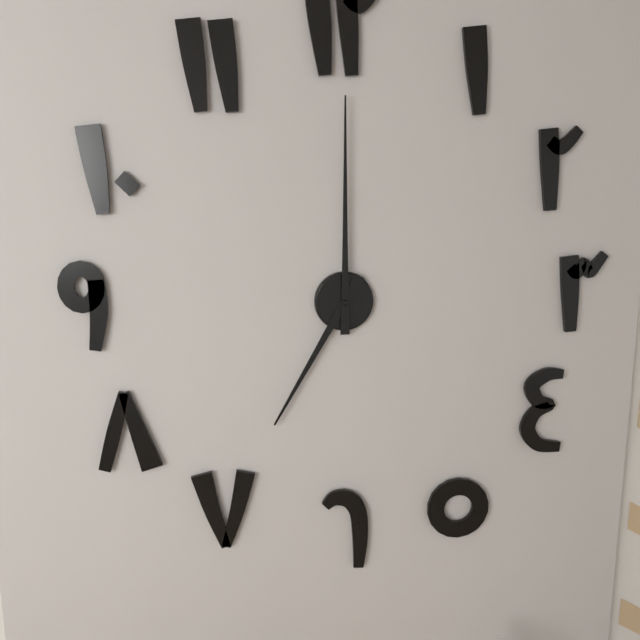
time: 7:00
